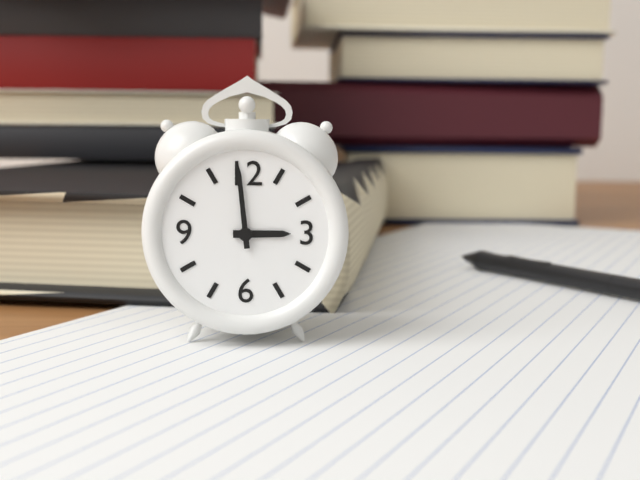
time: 2:59
